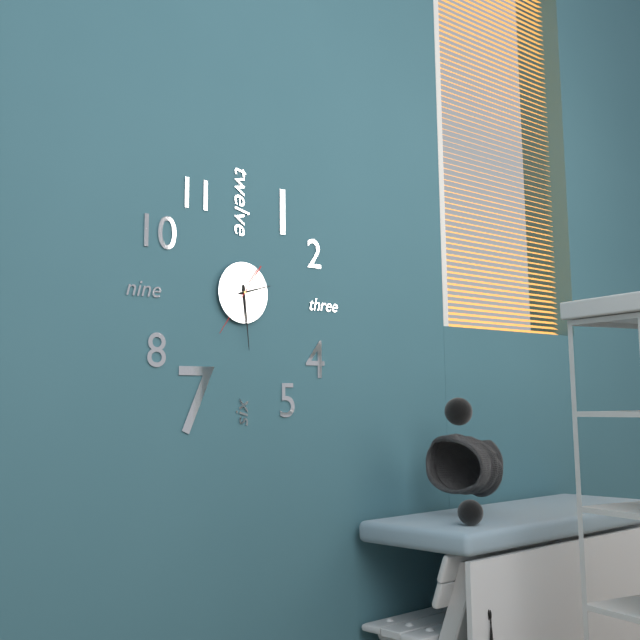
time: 2:29:36
